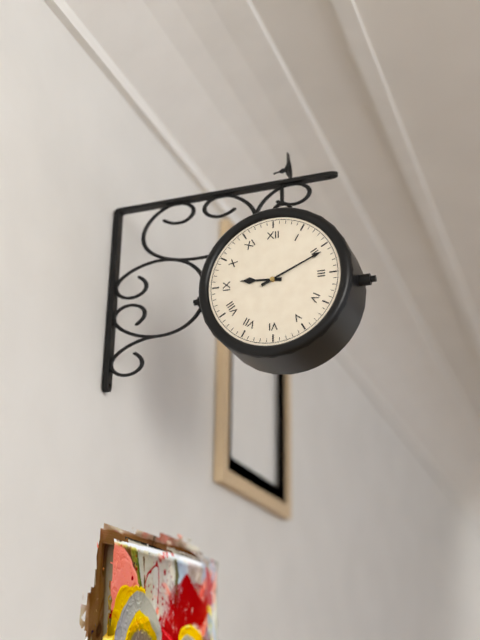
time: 9:11
